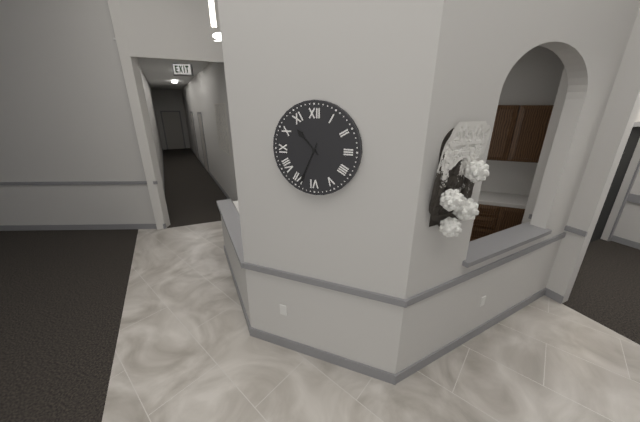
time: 10:34
